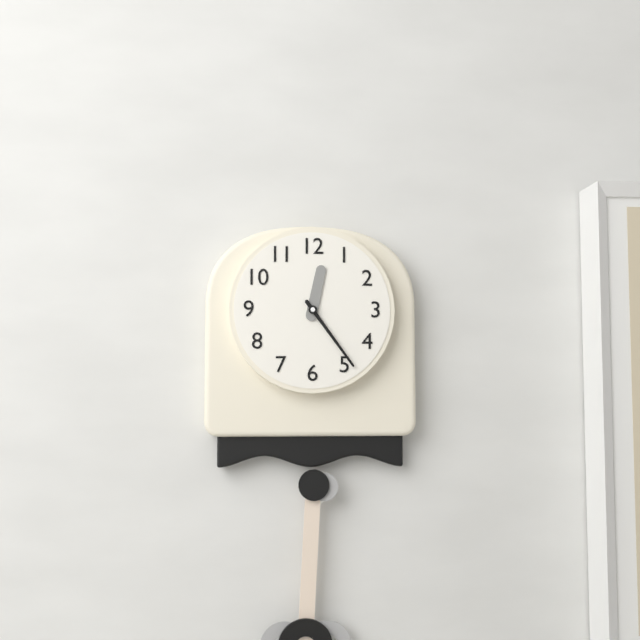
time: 12:24
